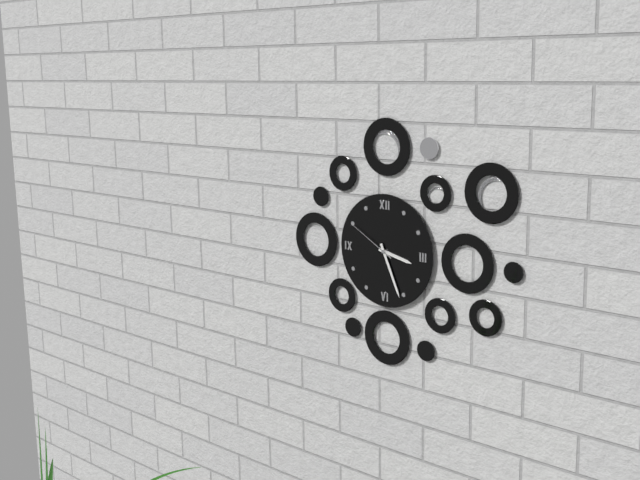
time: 3:26:50
